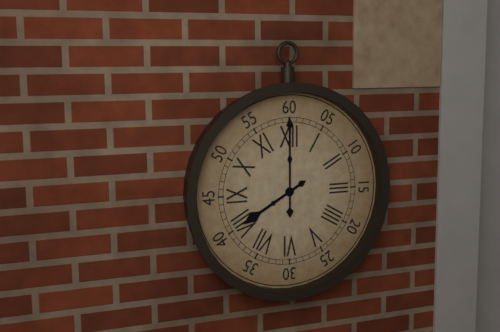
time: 8:00
